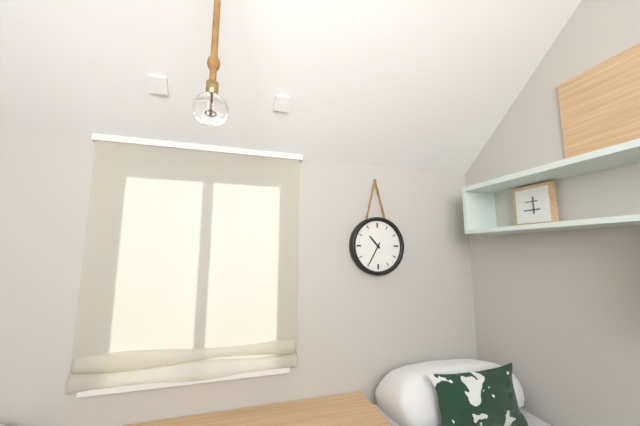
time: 10:35
